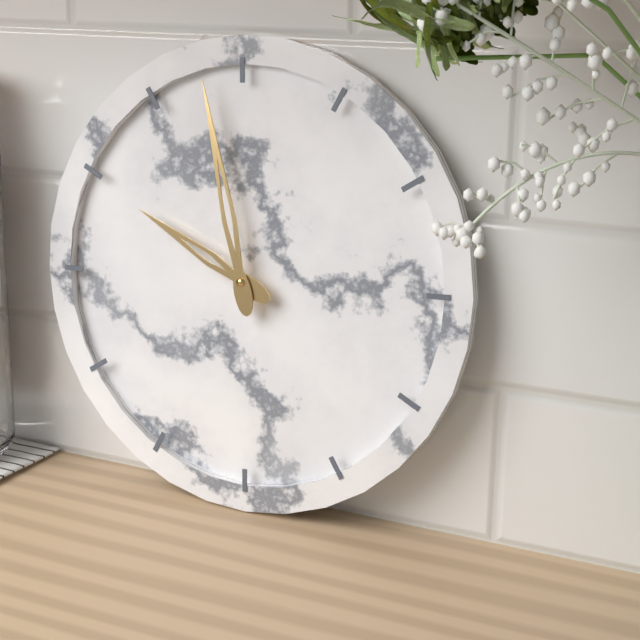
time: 9:58
